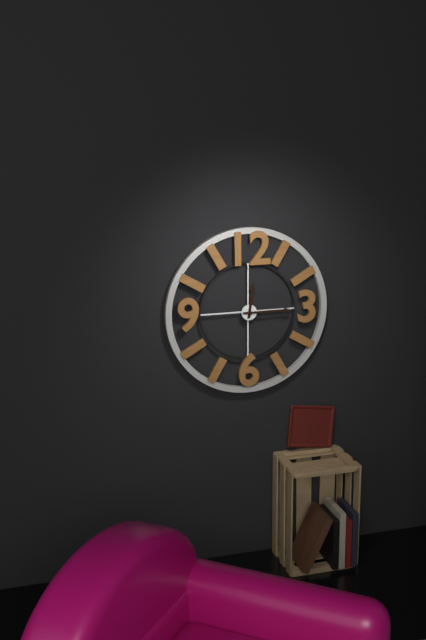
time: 12:15
